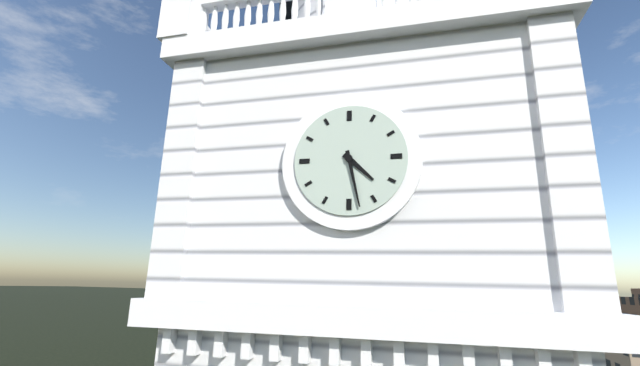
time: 4:28
